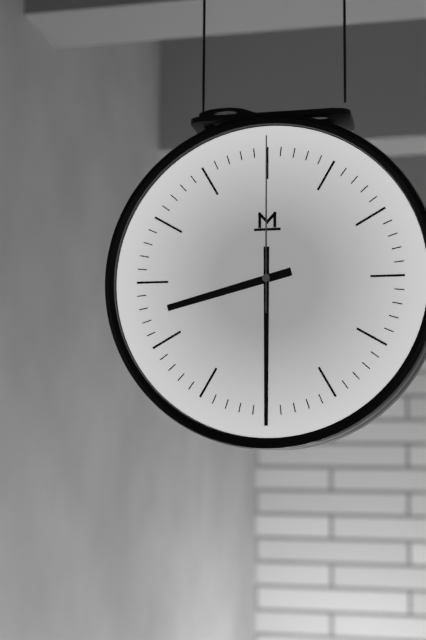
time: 8:30:00
